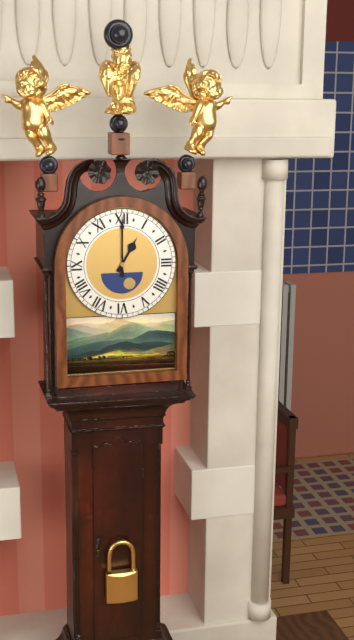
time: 1:00
